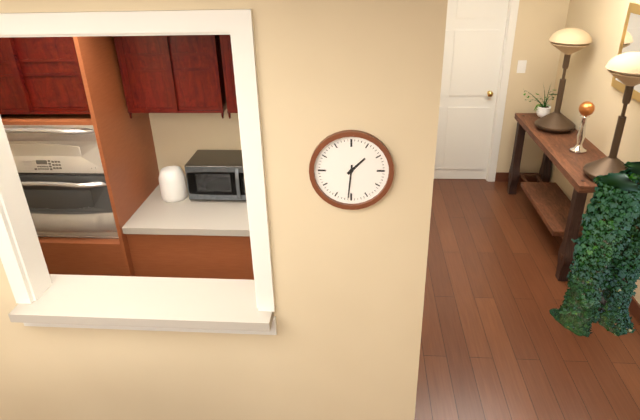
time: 1:31
